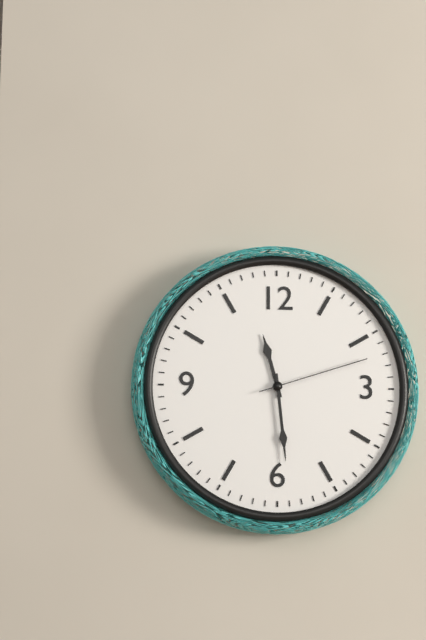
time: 11:29:12
